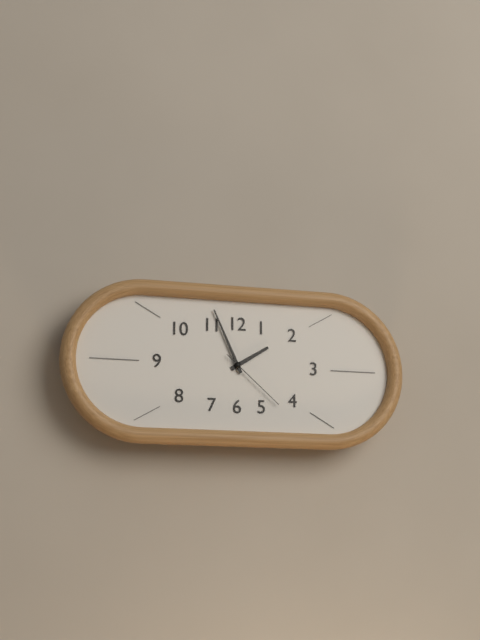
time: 1:56:22
